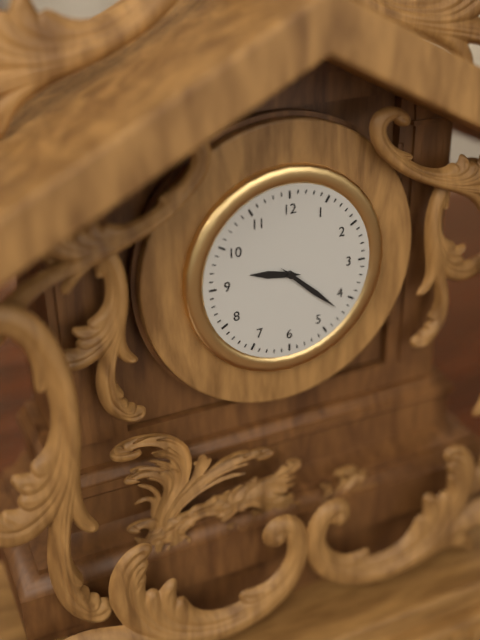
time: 9:22
